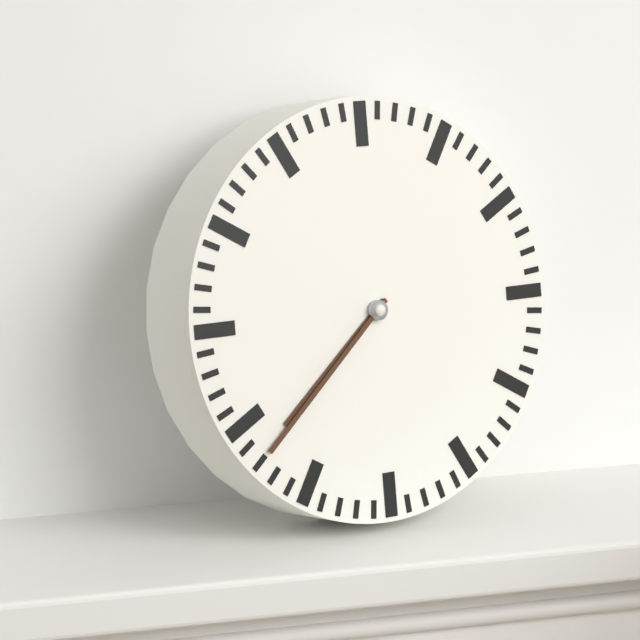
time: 7:38
